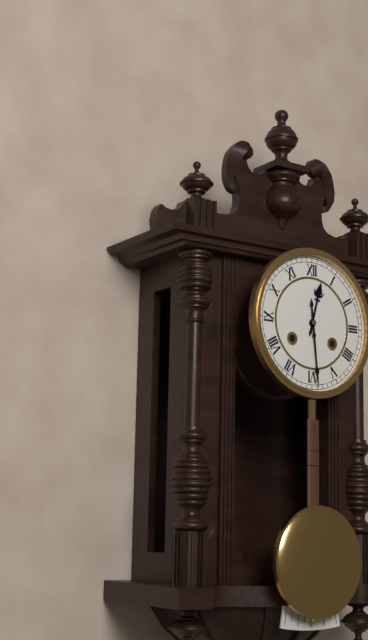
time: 12:29
